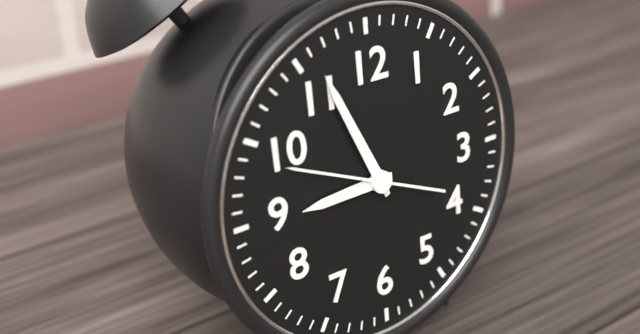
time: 8:56:49
